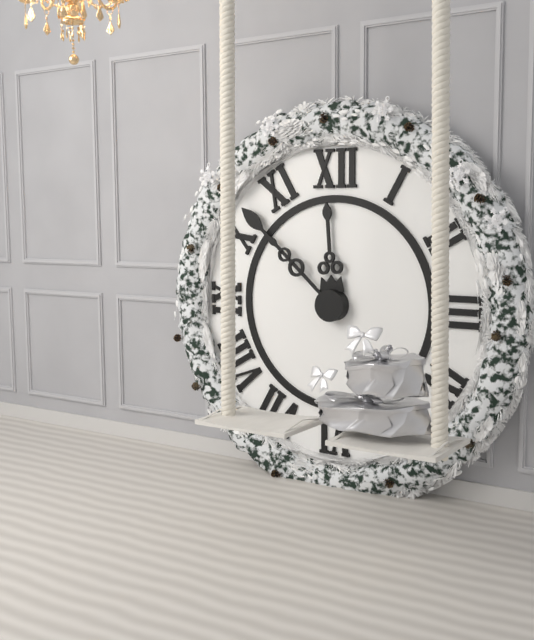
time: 11:52
